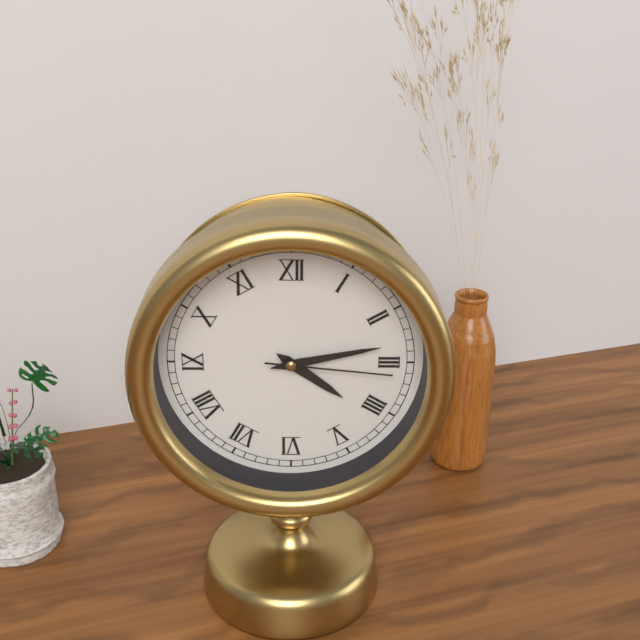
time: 4:13:16
